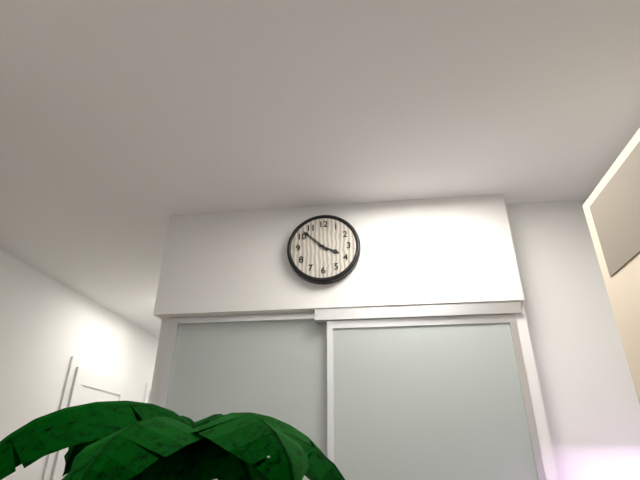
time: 3:52
